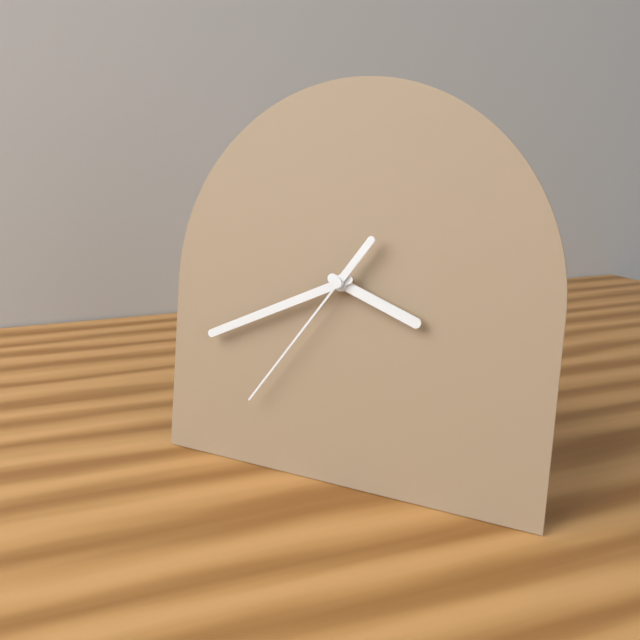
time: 3:41:36
